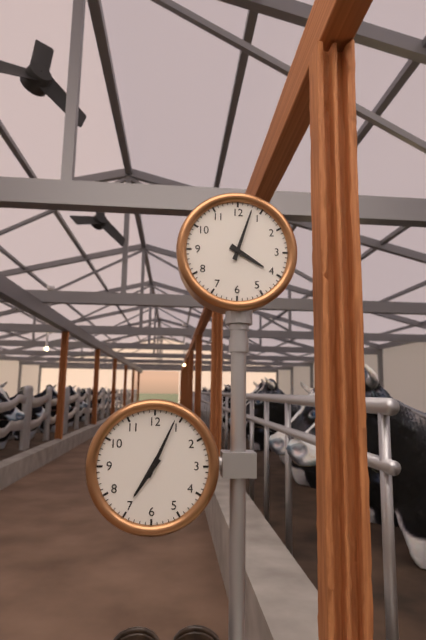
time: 4:03
